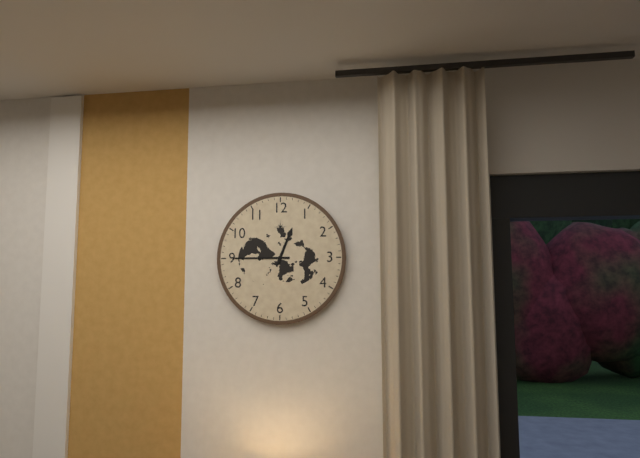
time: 12:45
